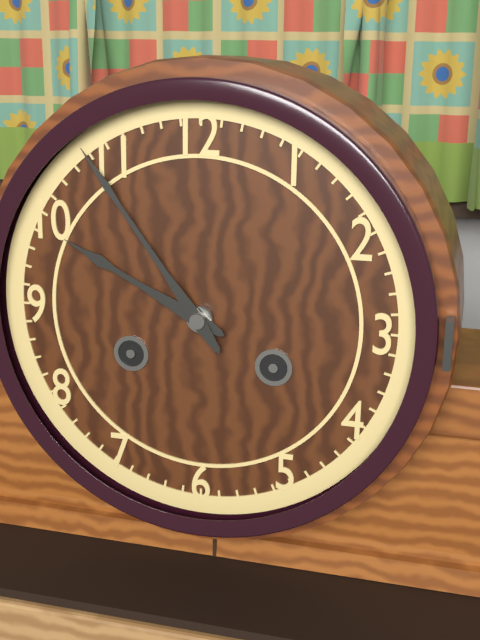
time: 9:54
